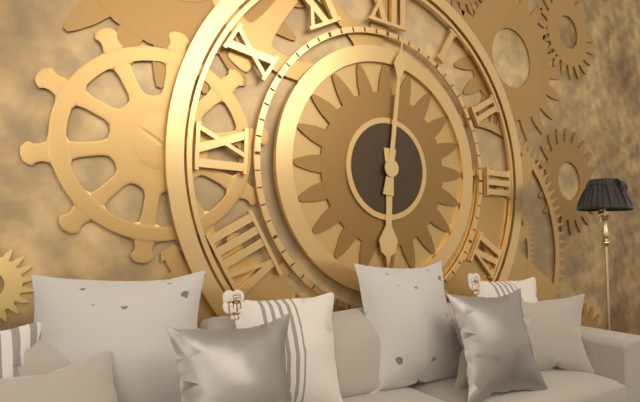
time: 6:01
